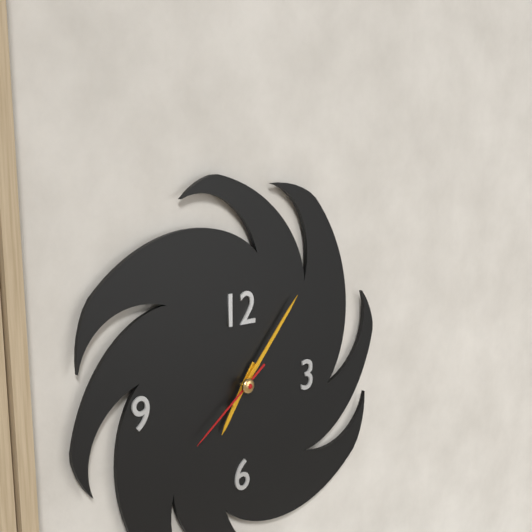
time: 7:07:39
